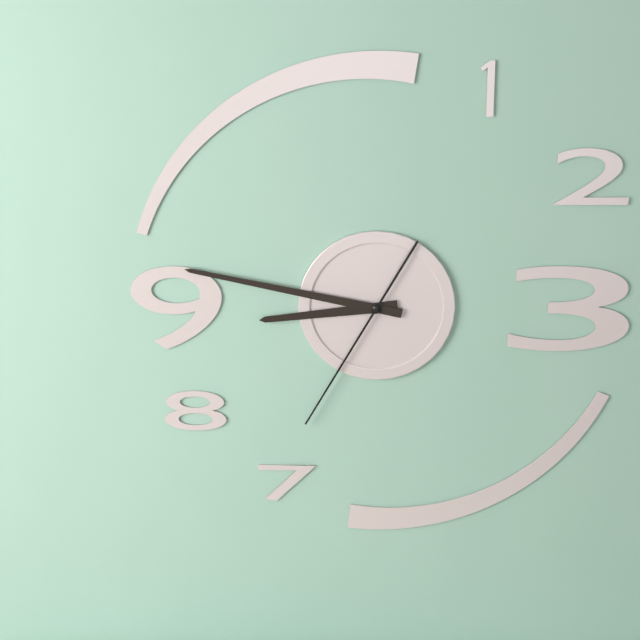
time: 8:47:35
